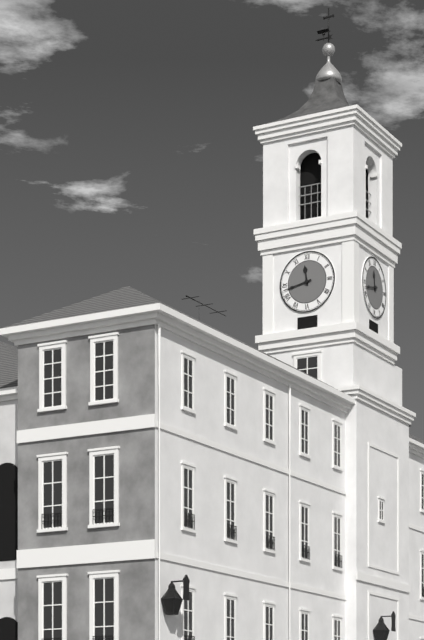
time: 11:43
